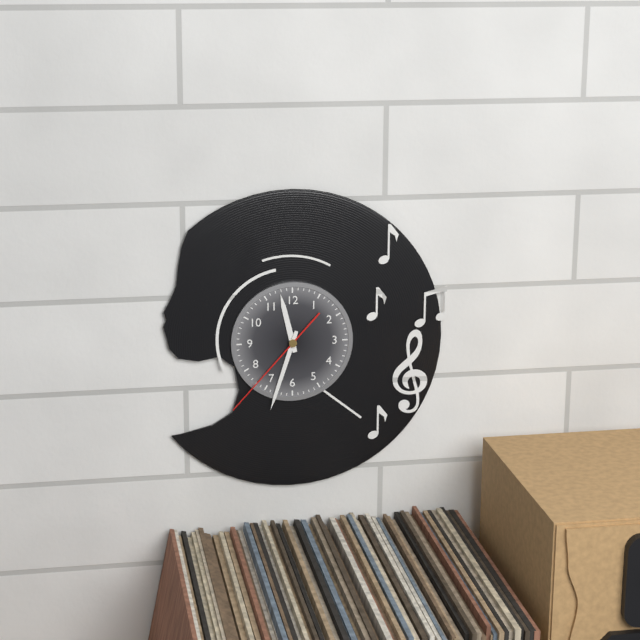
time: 11:33:37
